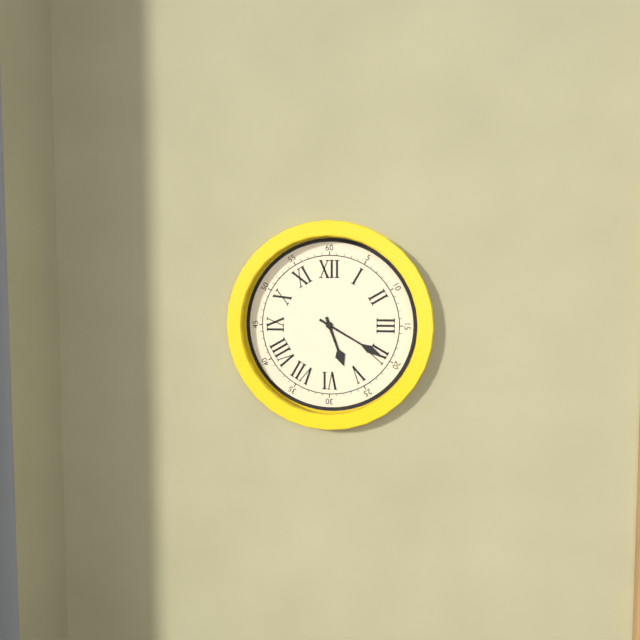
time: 5:20
